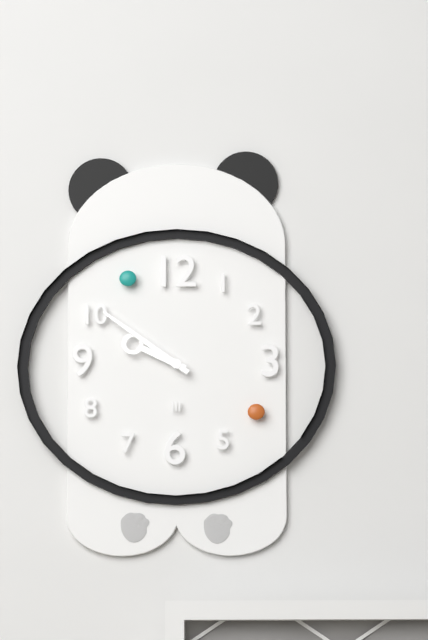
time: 9:51
